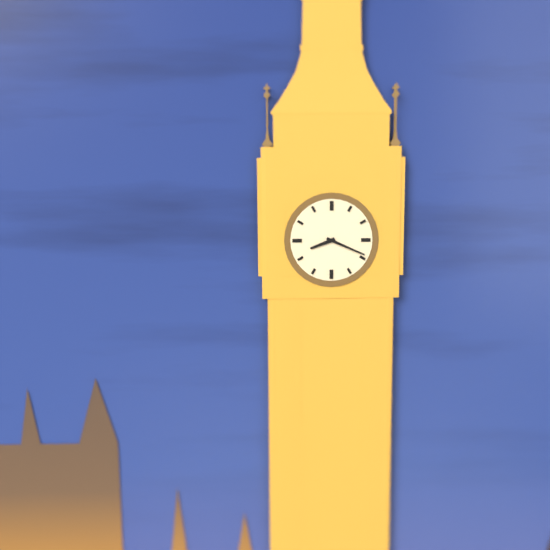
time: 8:19
